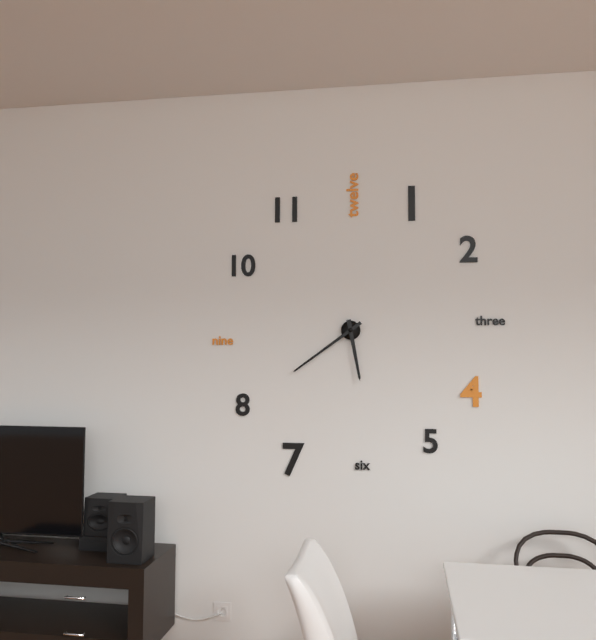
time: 5:39
